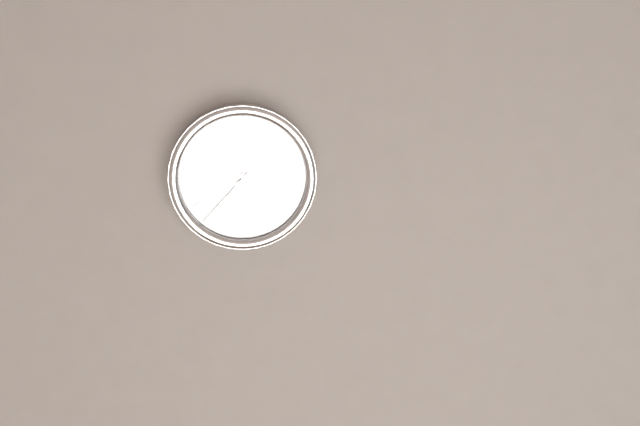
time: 5:37:40
